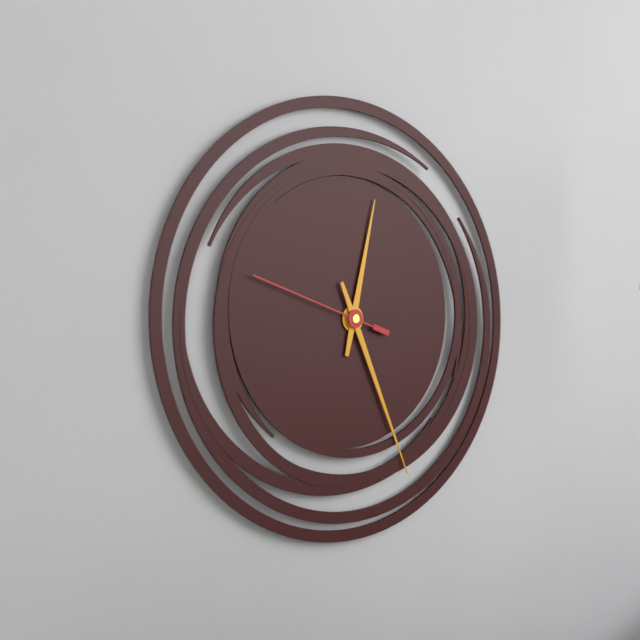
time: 12:26:48
